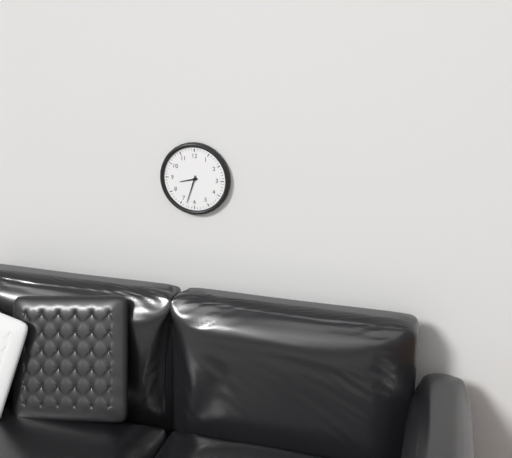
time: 8:33
